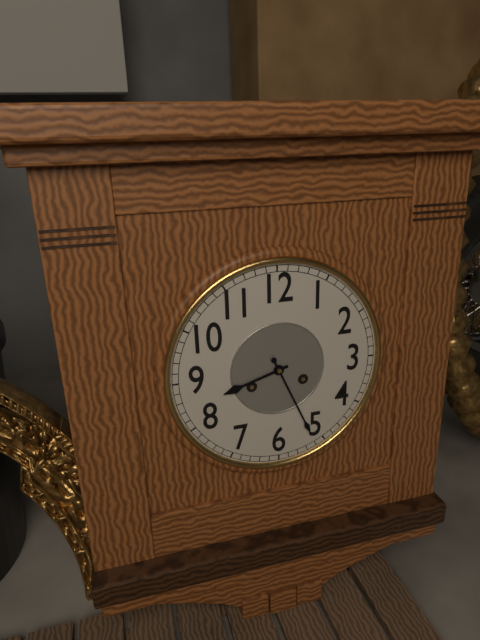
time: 8:26
